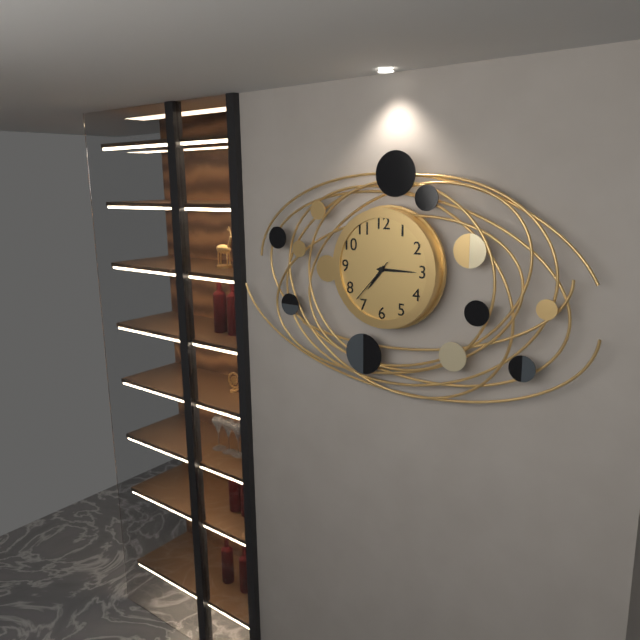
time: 7:15
